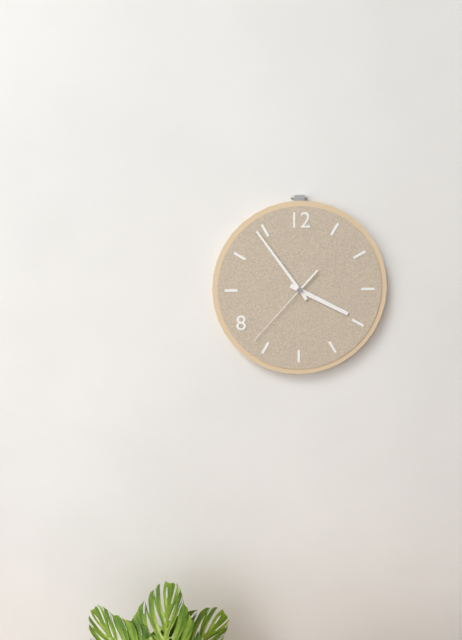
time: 3:54:37
